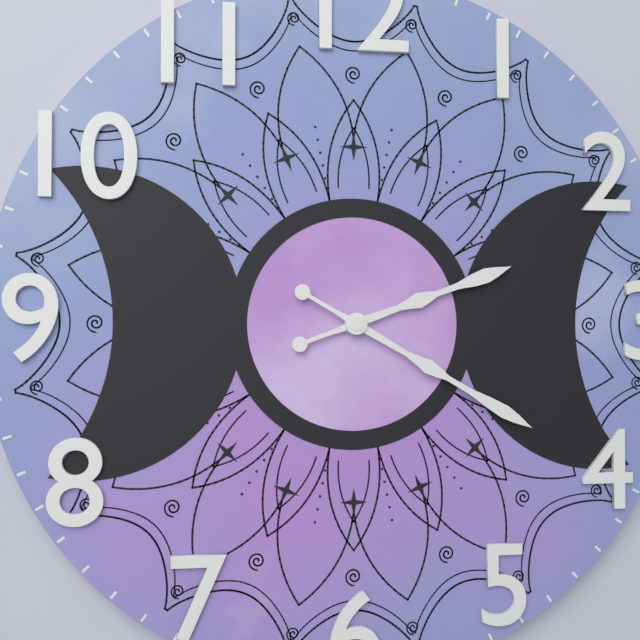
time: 2:20
